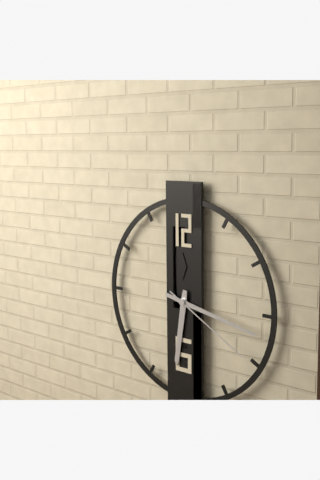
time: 6:17:20
